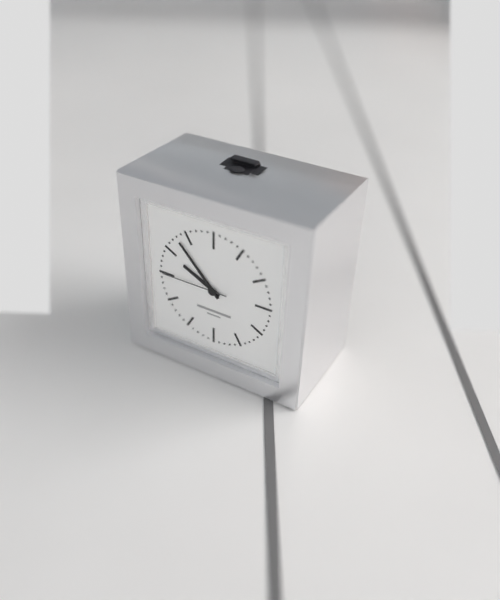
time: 9:53:45
